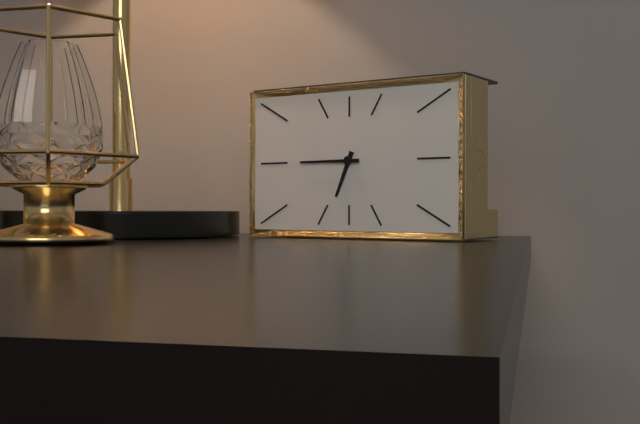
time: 6:45
